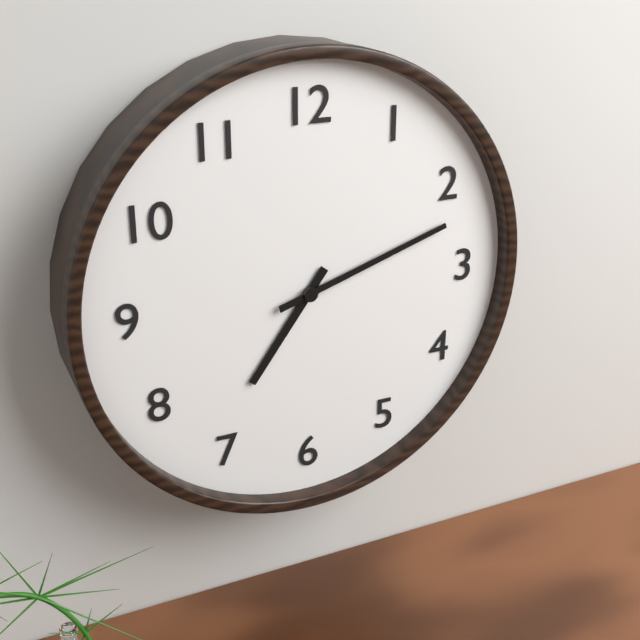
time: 7:12
